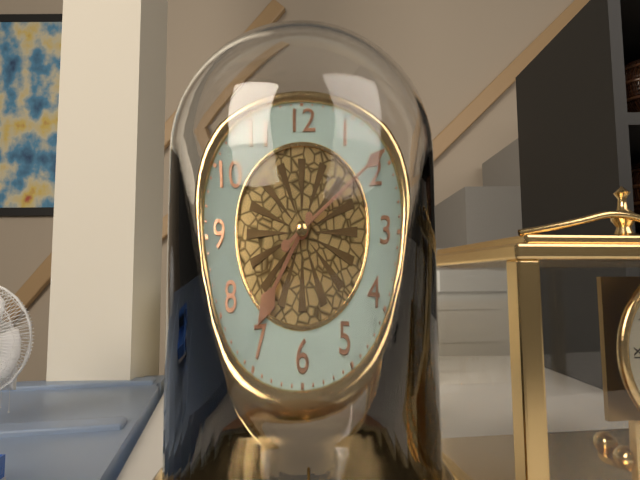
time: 7:09
